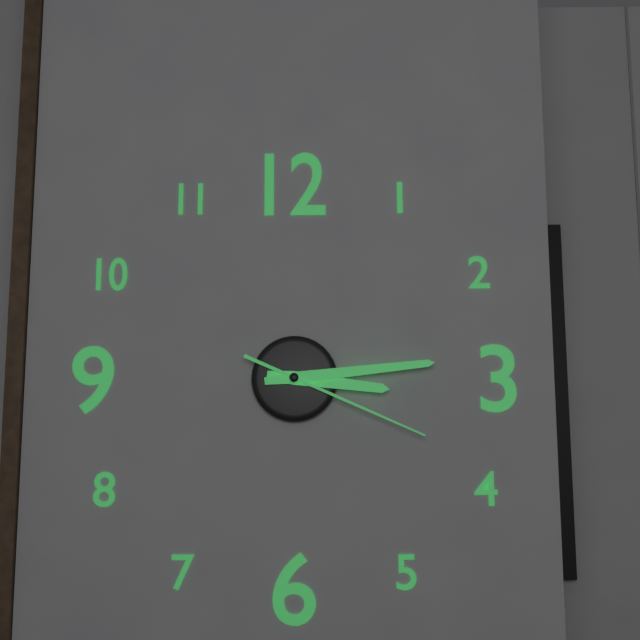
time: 3:14:19
